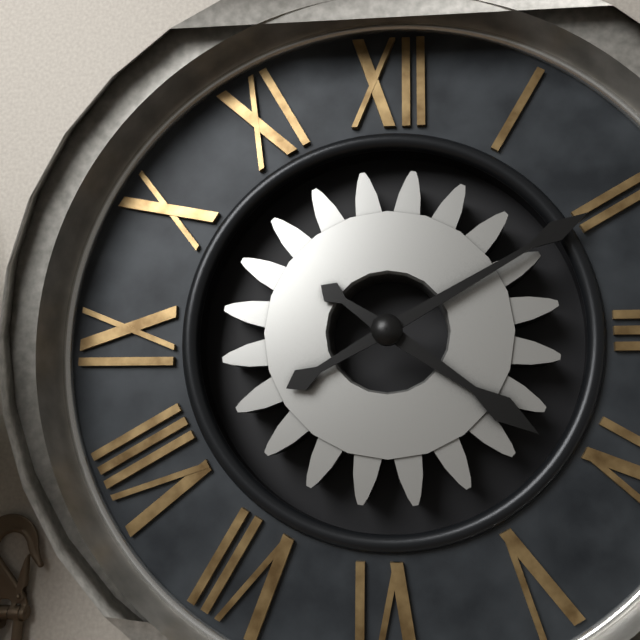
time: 4:10
